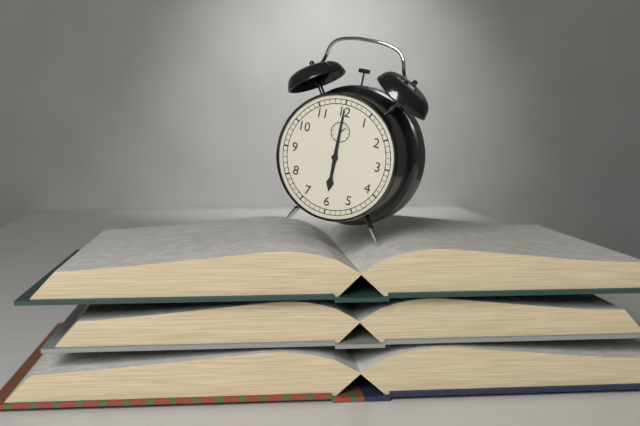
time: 6:00
